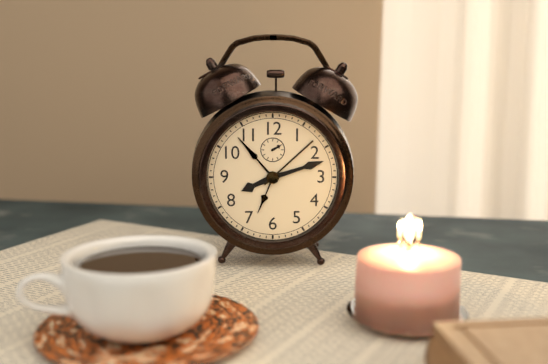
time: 8:12
